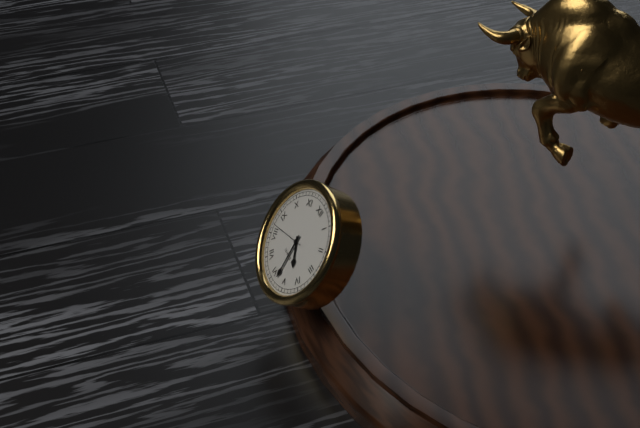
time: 4:28
